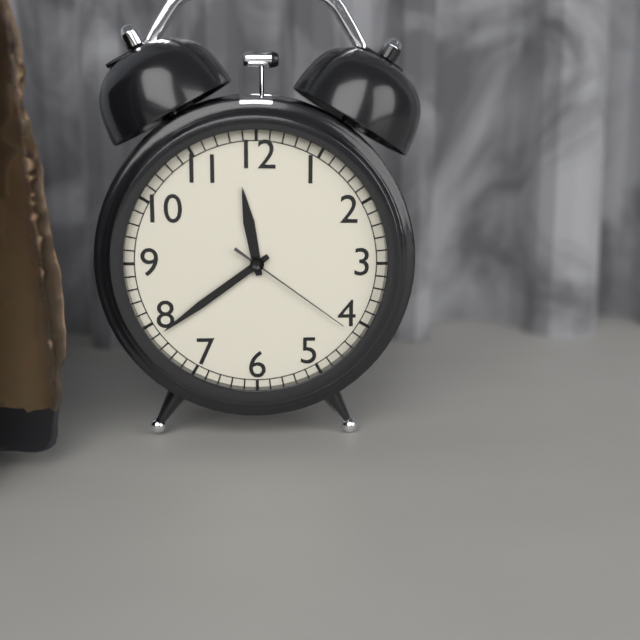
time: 11:39:21
